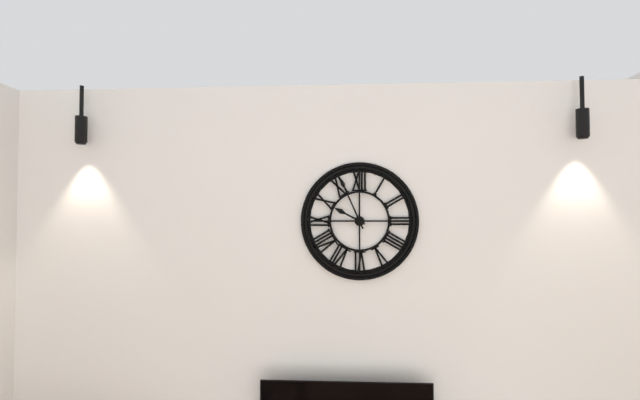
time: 9:56
